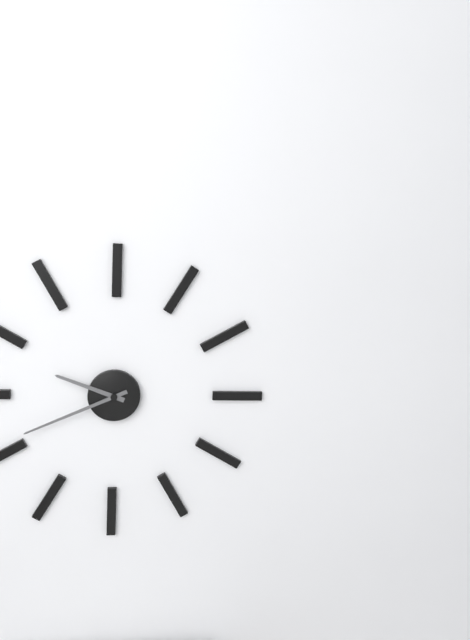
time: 9:41
